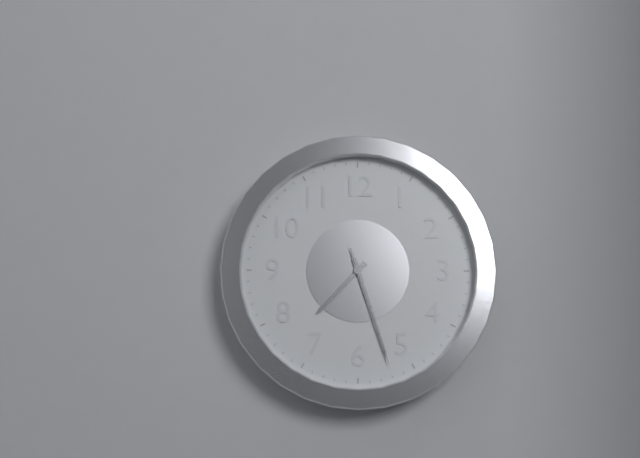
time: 7:27:27
